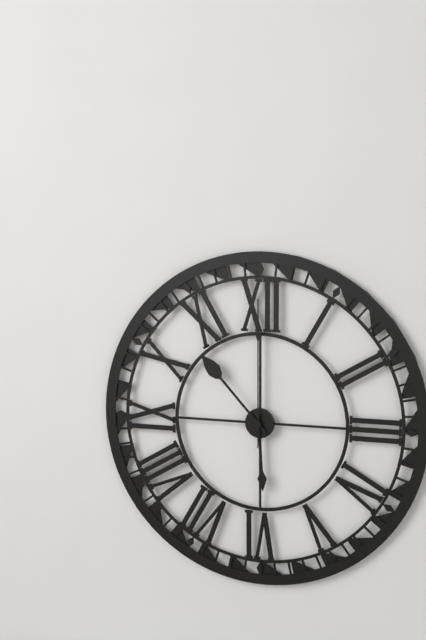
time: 5:53:00
